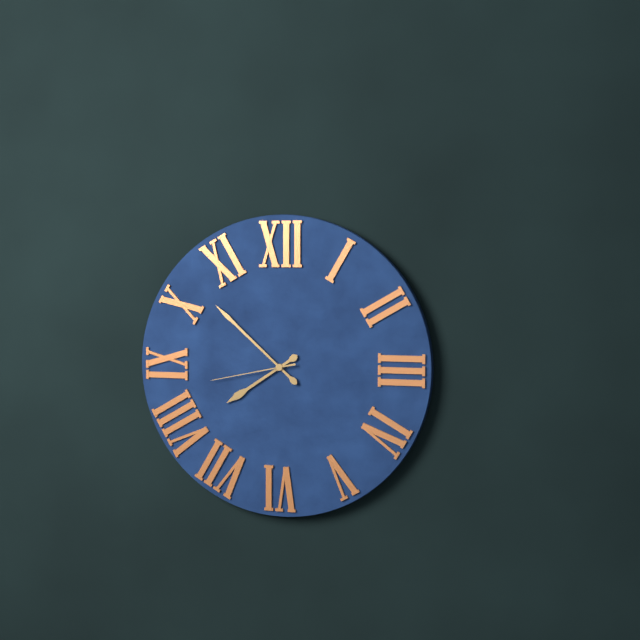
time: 7:52:43
